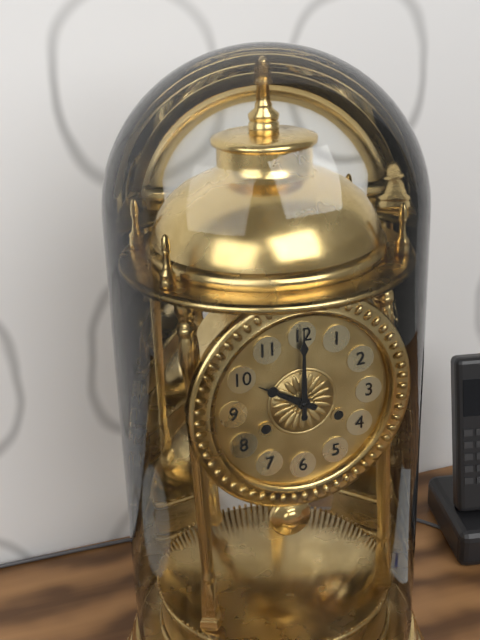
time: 10:00
